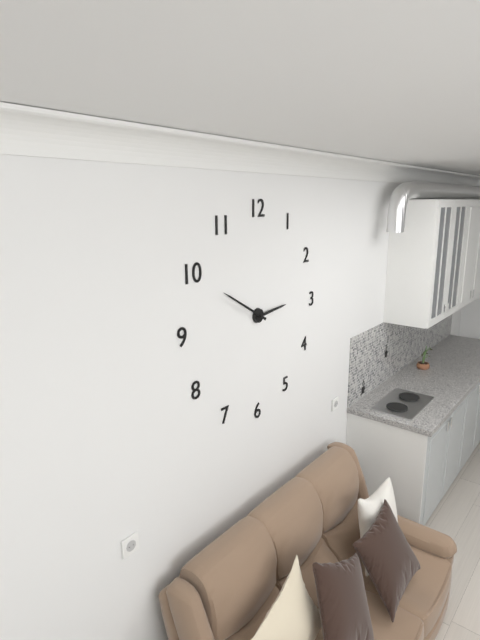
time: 2:50
